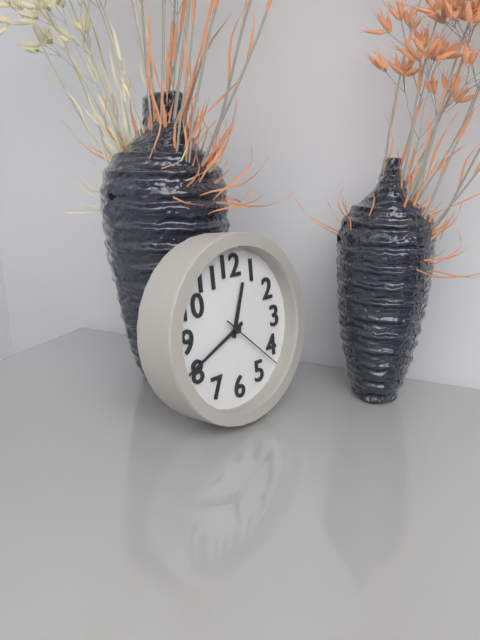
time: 12:41:22
